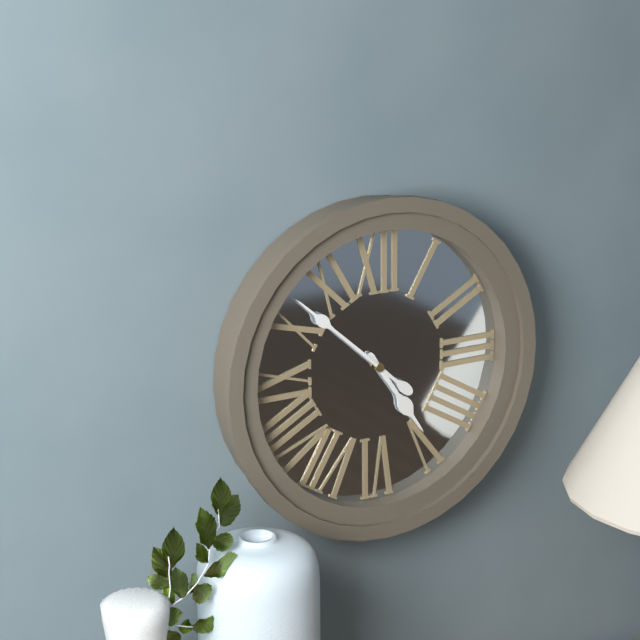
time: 4:52
